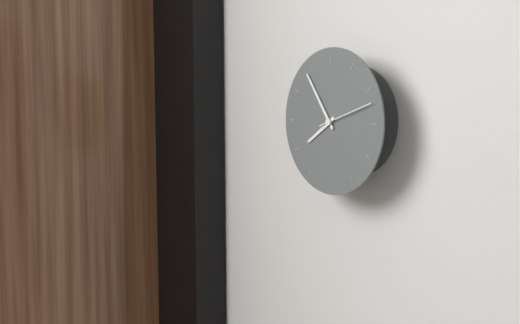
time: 7:54:12
